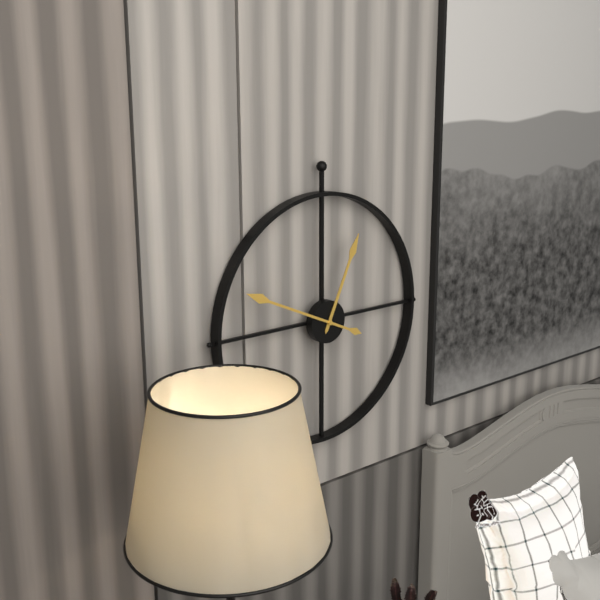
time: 12:49
